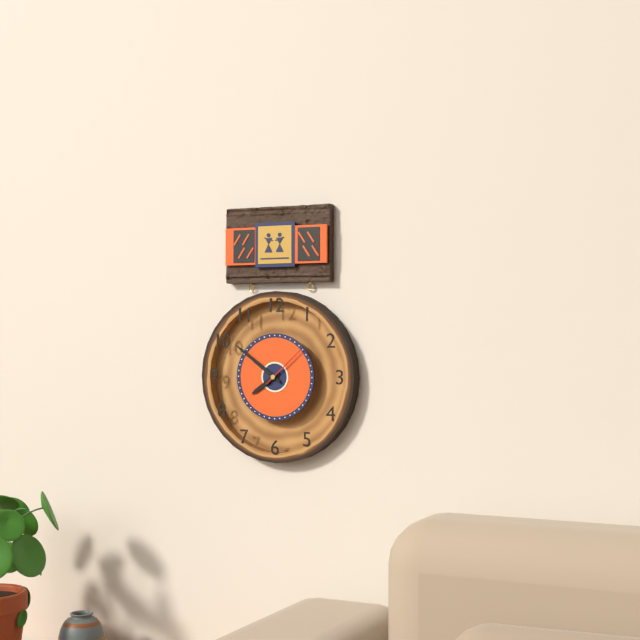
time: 7:51:08
